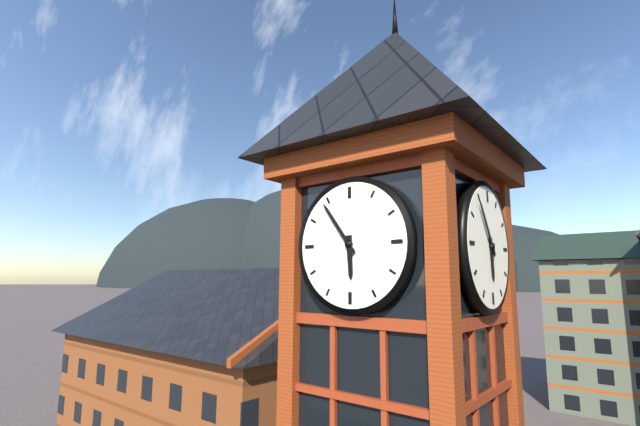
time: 5:54
